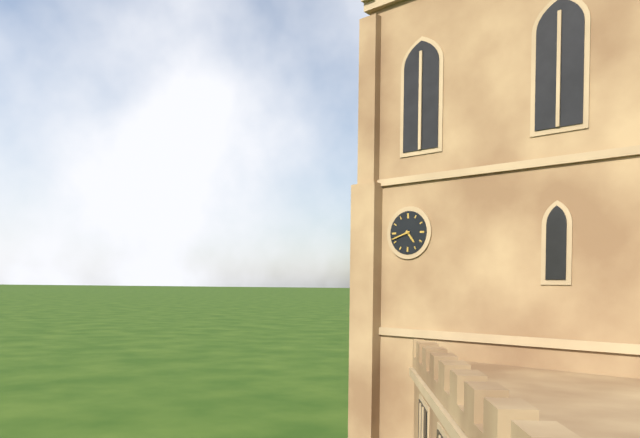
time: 4:42
